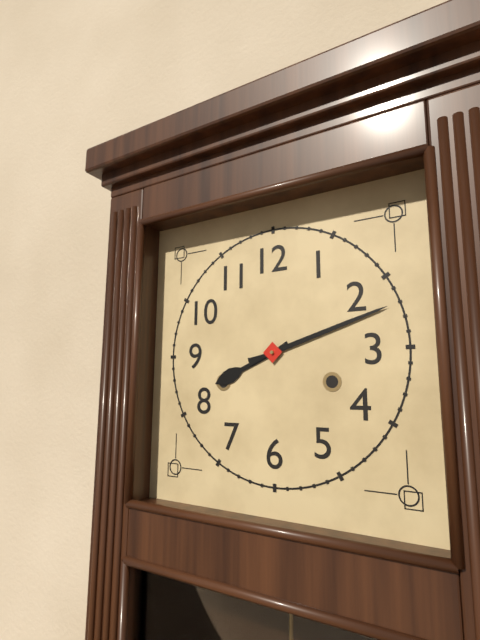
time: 8:12
